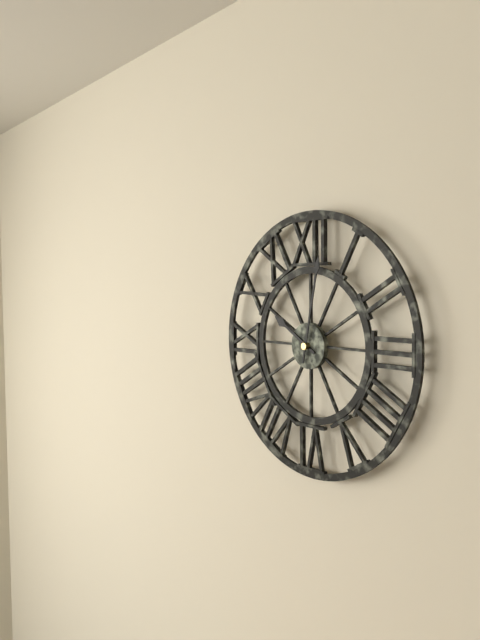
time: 10:02
